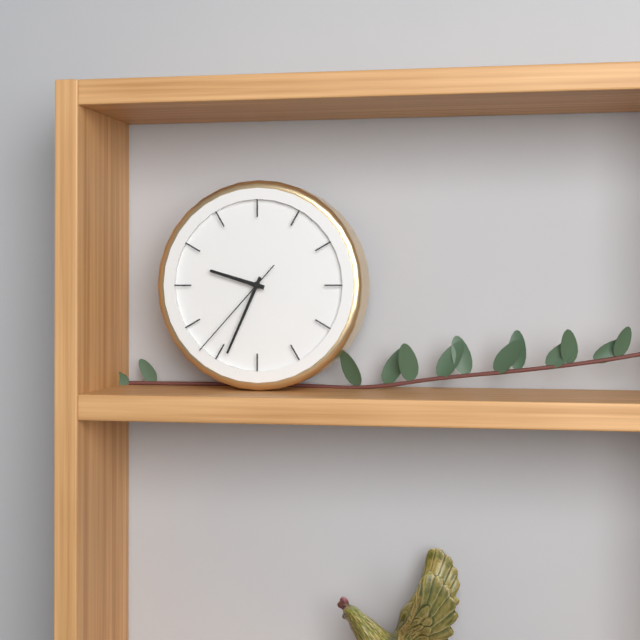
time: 9:34:37
